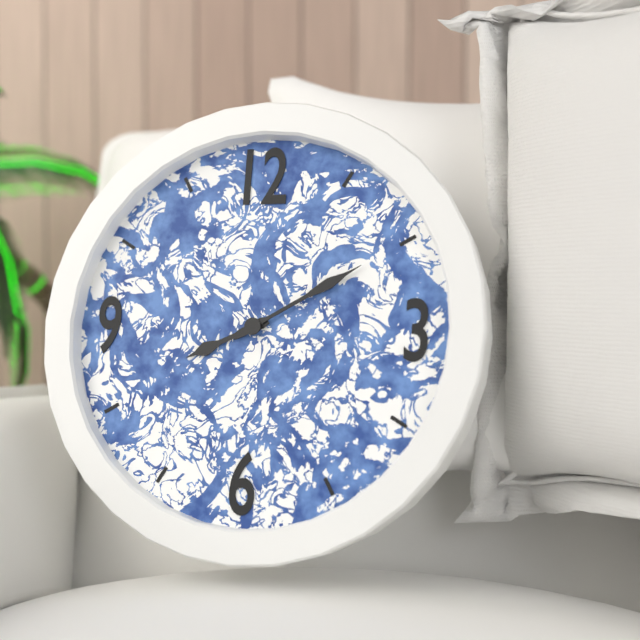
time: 8:10
